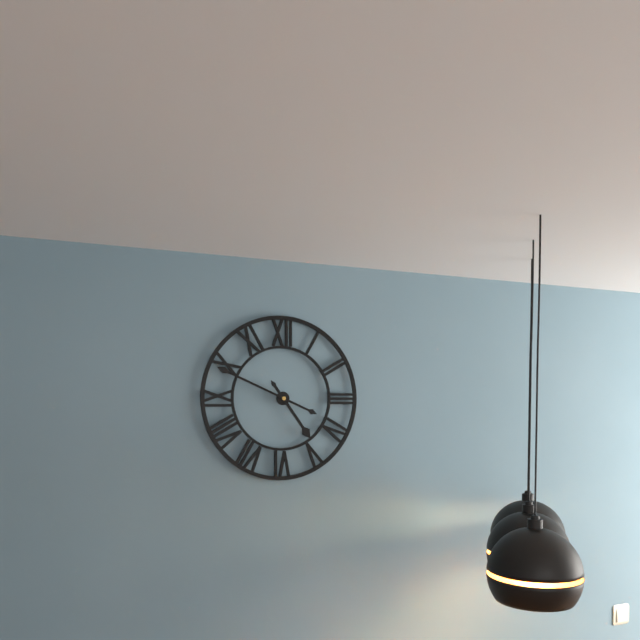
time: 4:49
